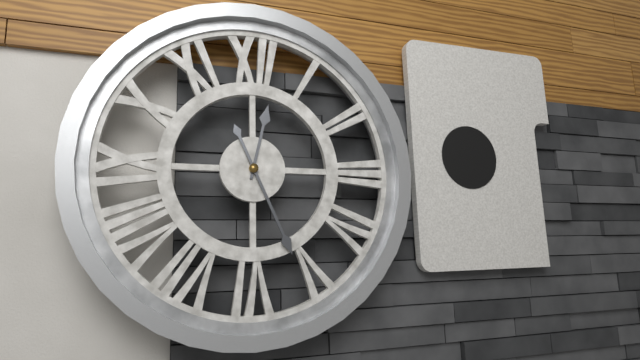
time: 12:26
